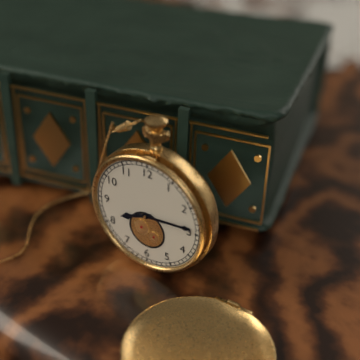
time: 8:14
